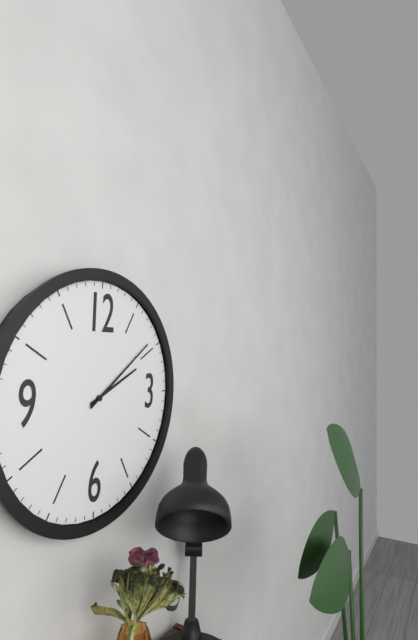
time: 2:09
